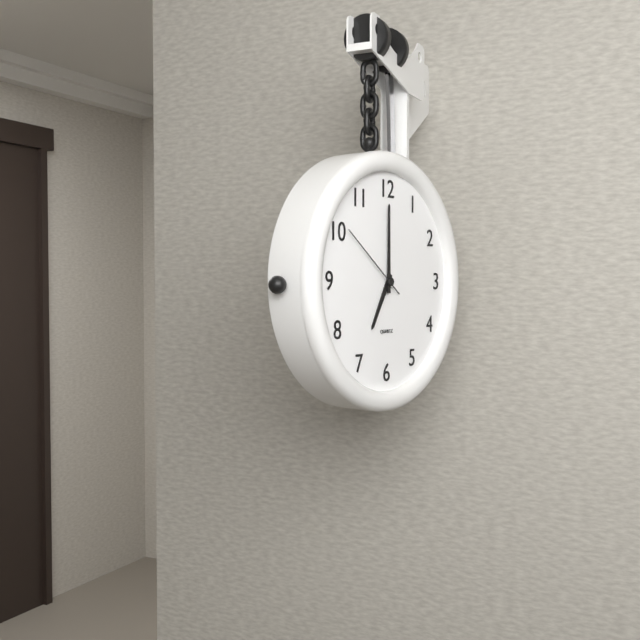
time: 7:00:51
